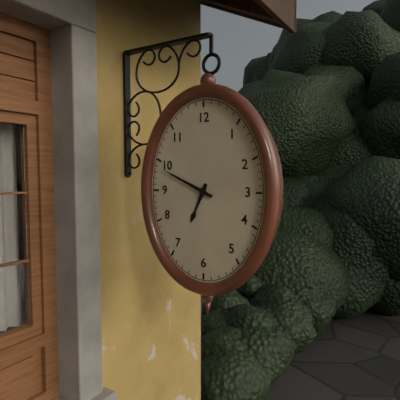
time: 6:49
